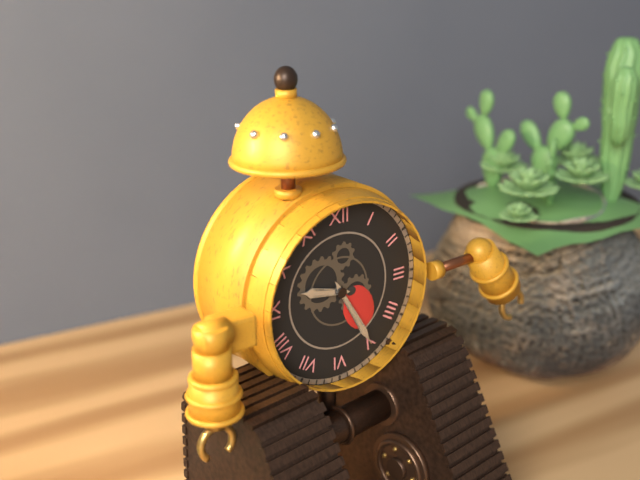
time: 9:25
